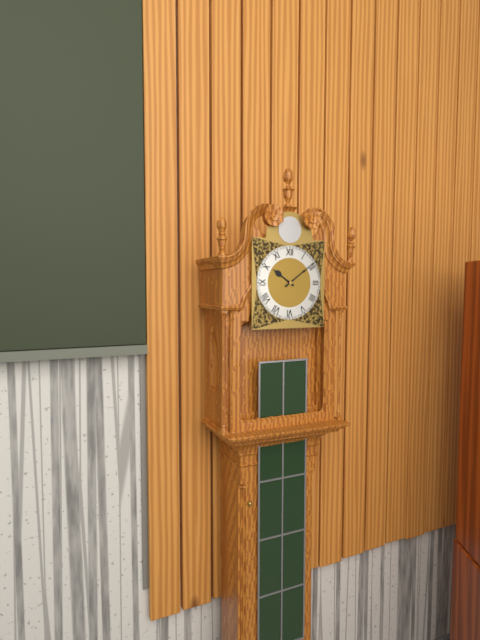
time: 10:09
